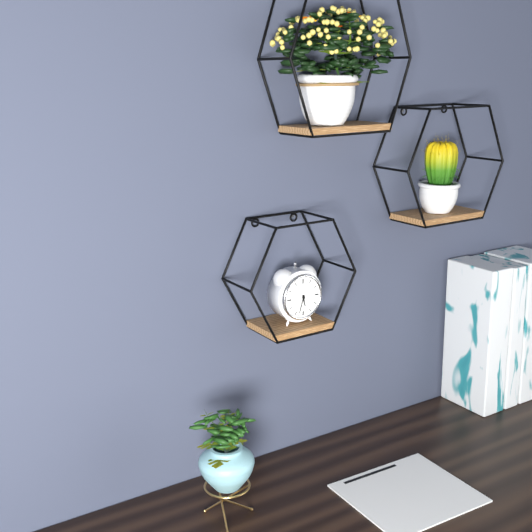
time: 5:33
